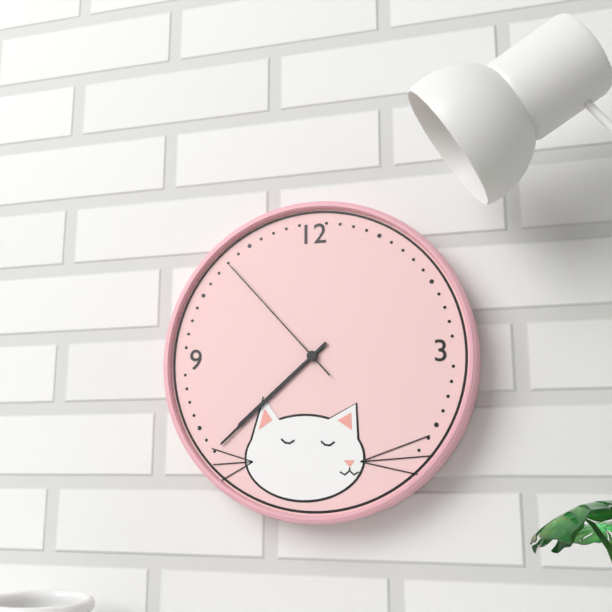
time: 7:38:53
